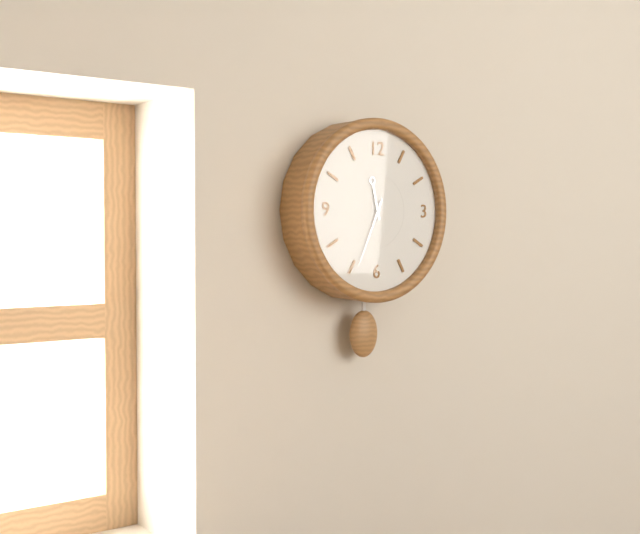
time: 11:34
